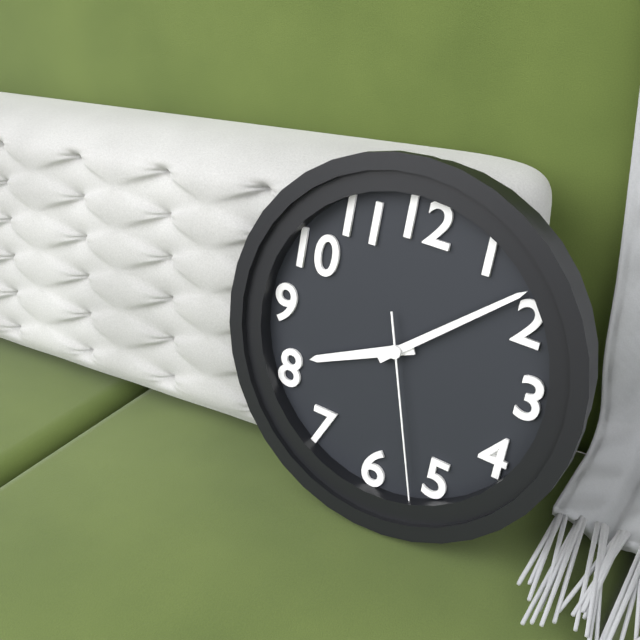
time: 8:08:27
